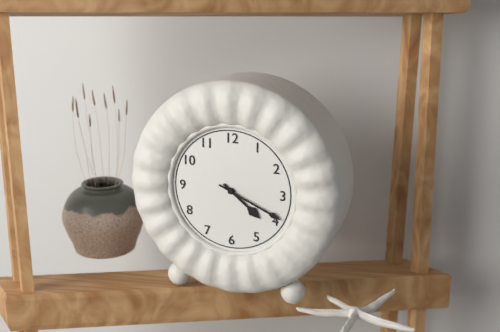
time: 4:19
